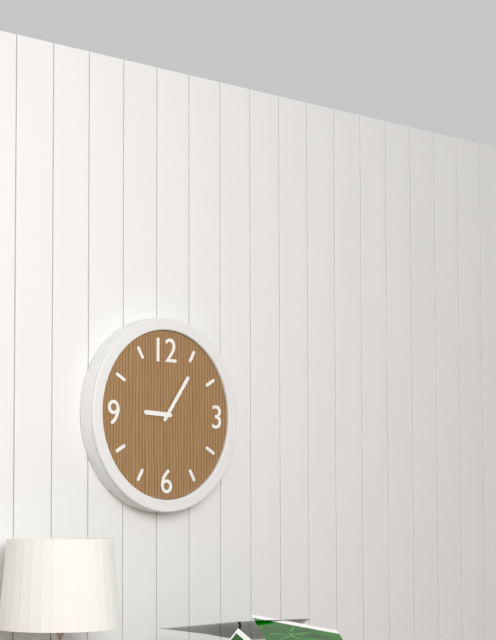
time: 9:06
